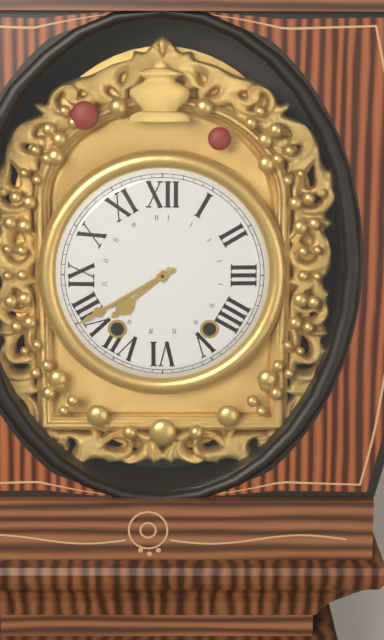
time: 7:40
